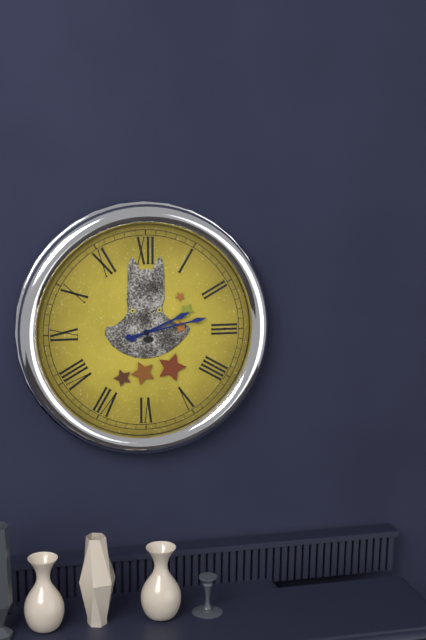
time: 2:13
